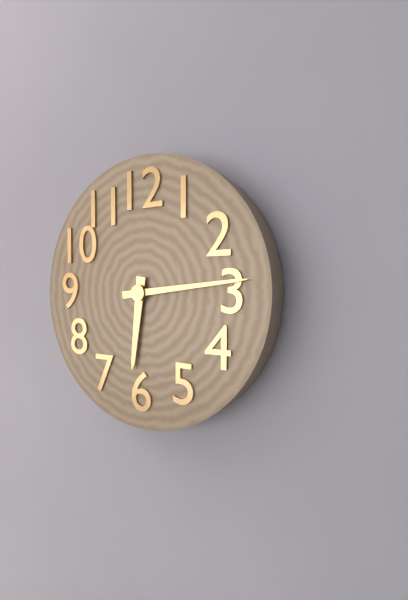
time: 6:14
